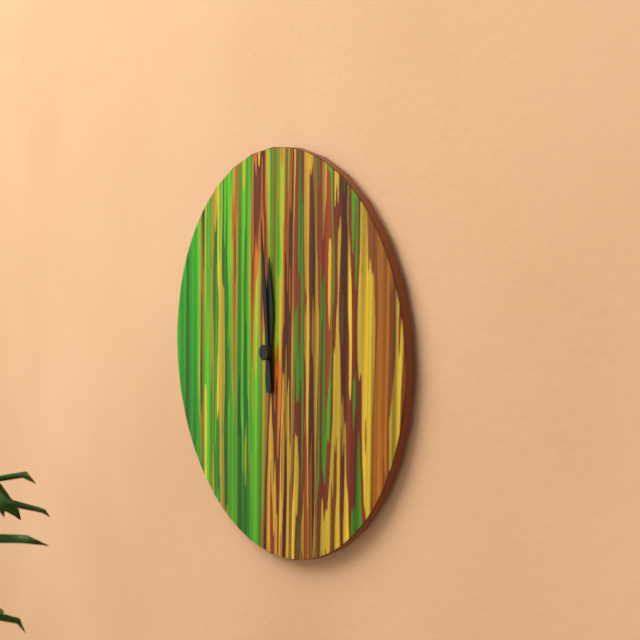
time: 11:59
